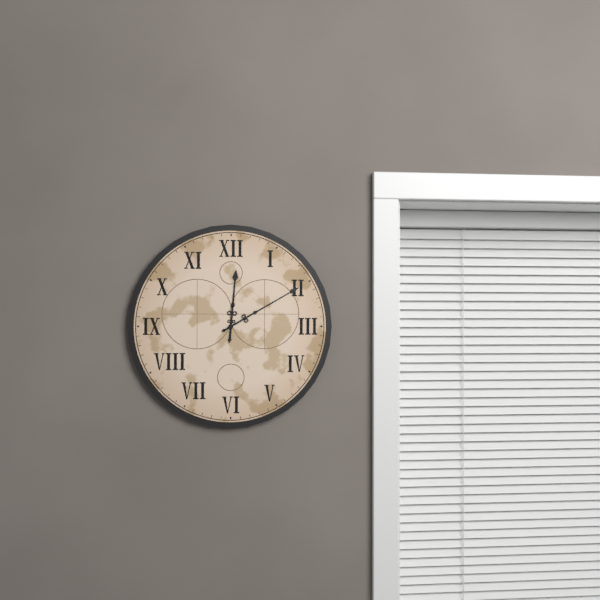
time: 12:10
